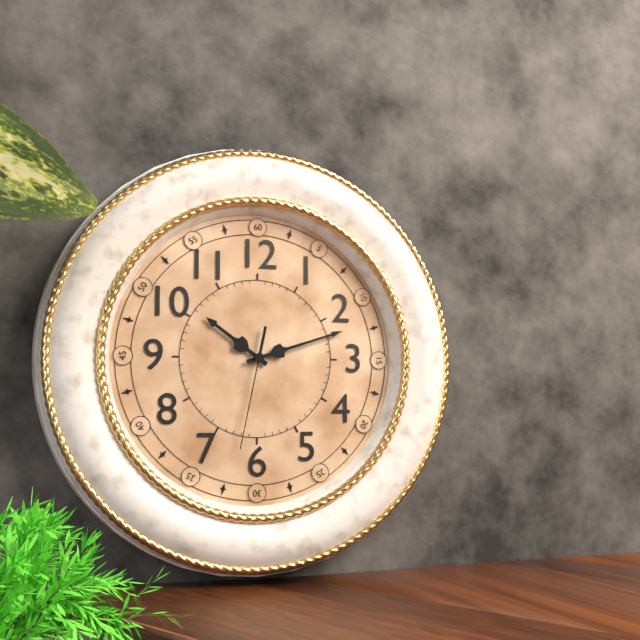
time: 10:12:32
